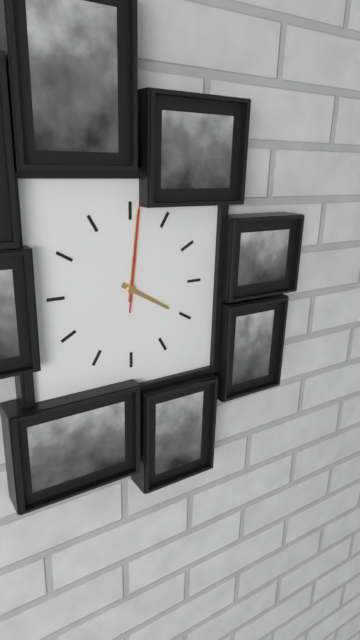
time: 4:01:01
